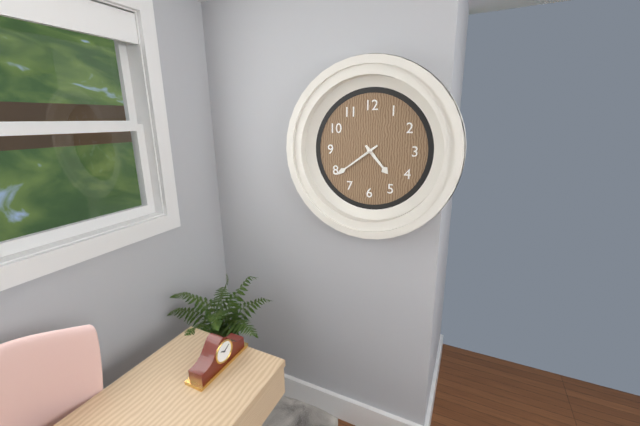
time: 4:39
